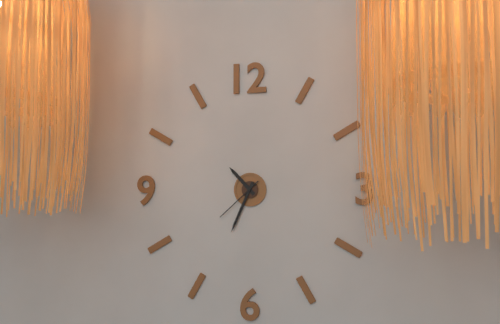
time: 10:34:38
